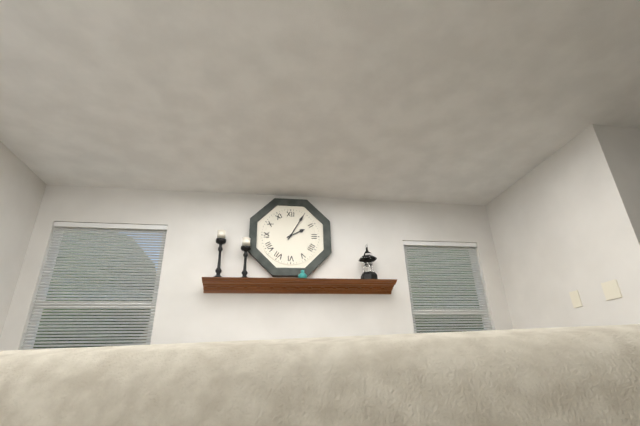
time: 2:05
